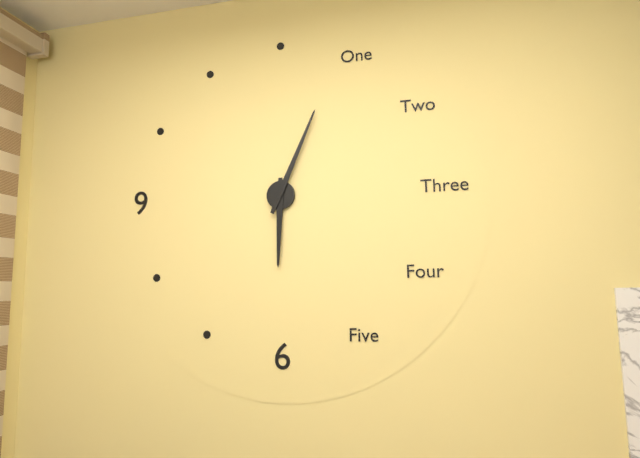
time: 6:04
